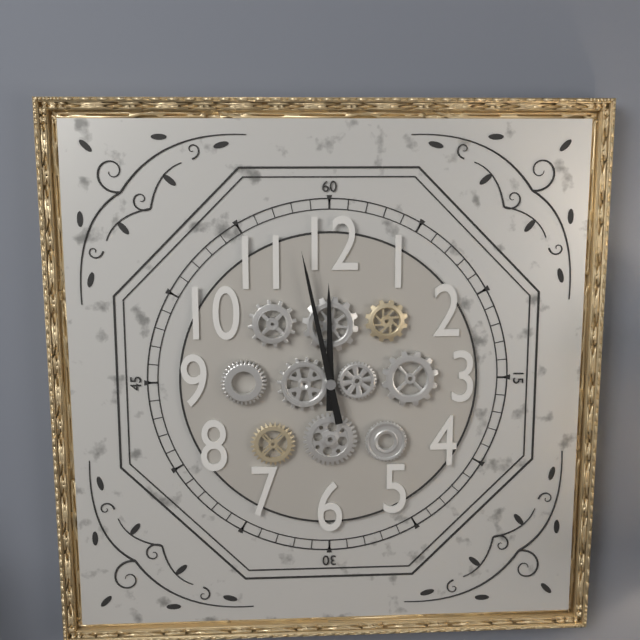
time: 11:58
